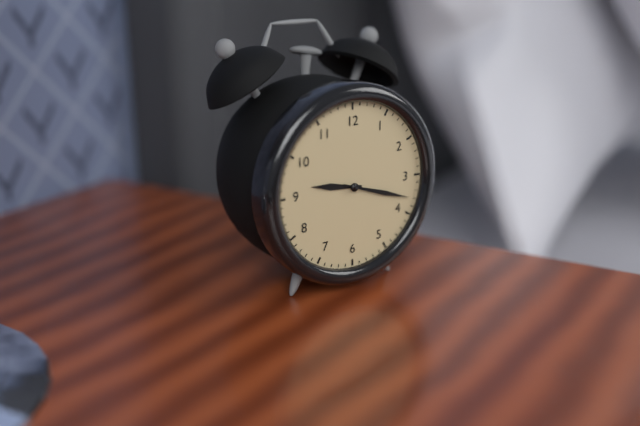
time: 9:18
